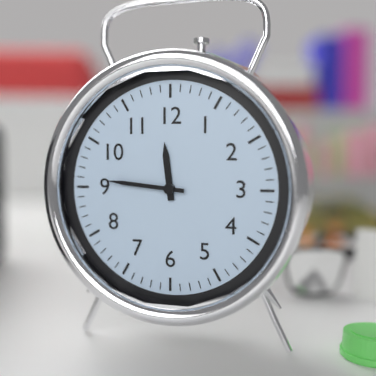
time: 11:46
